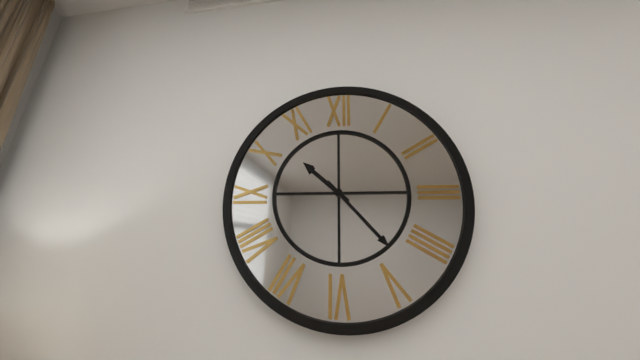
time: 10:23
